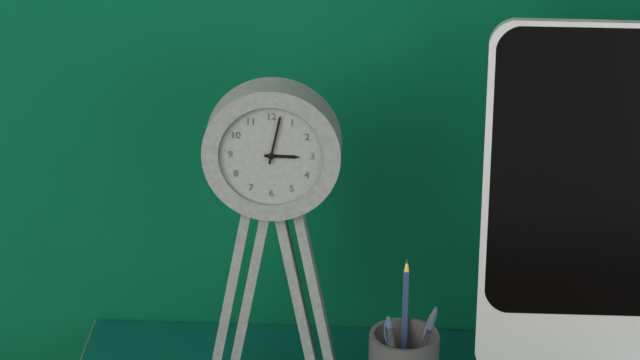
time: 3:02
